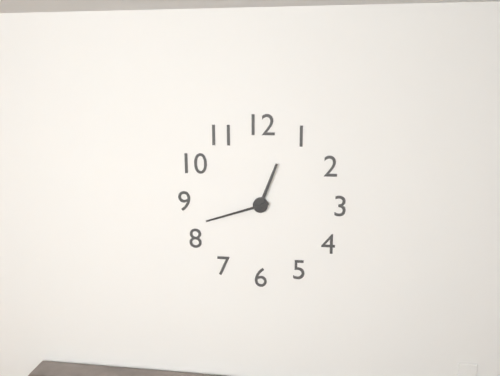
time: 12:42
